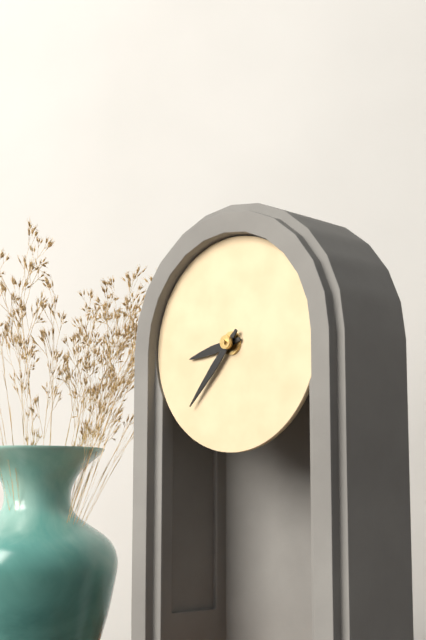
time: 8:37
